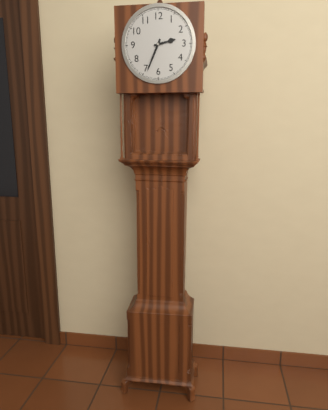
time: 2:34
